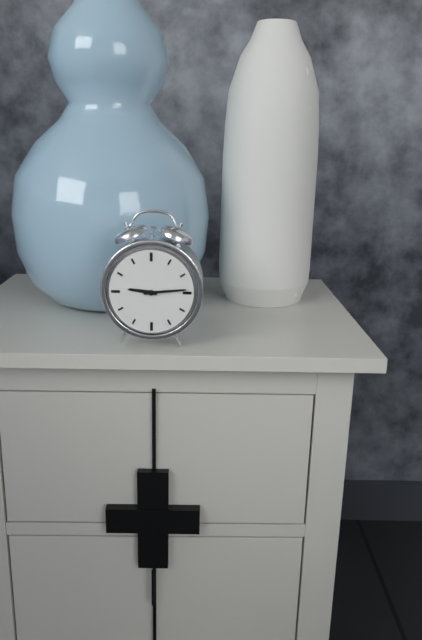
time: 9:14
